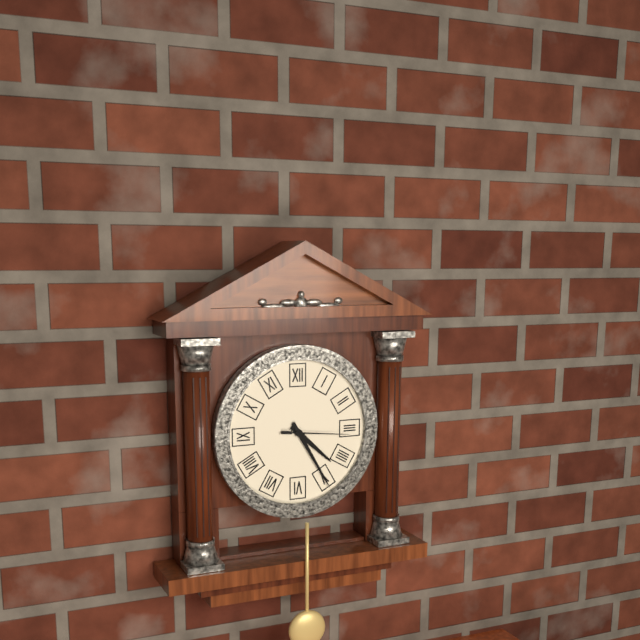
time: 4:25:16
